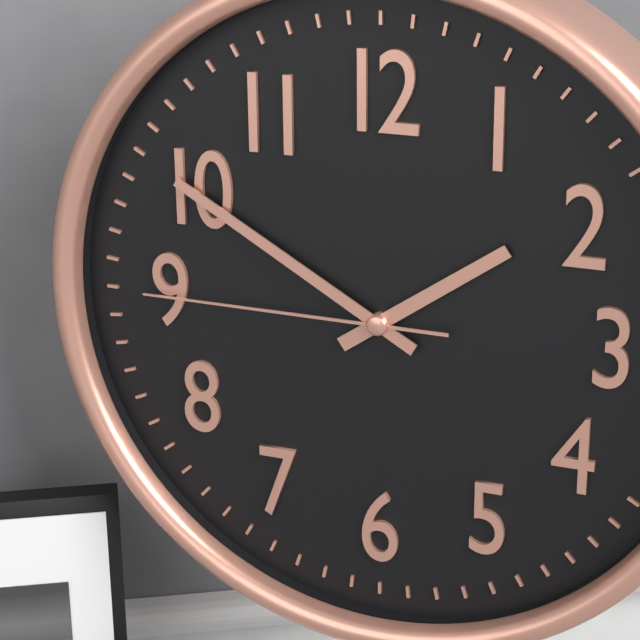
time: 1:50:45
